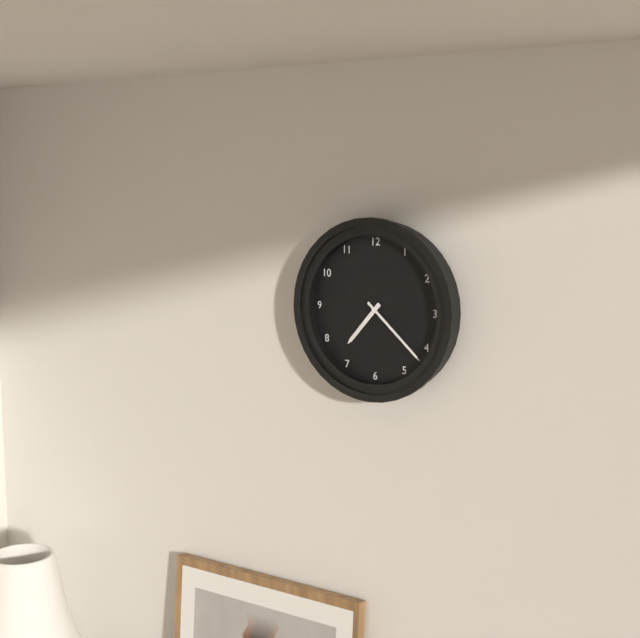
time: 7:22
